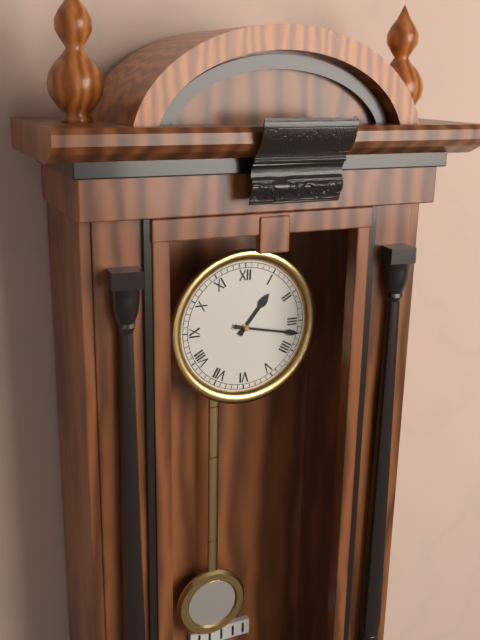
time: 1:17
